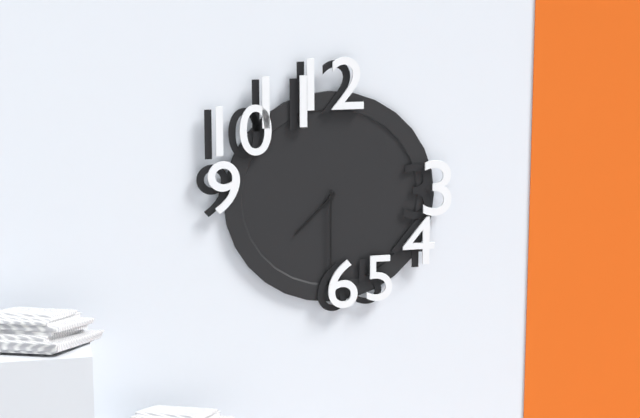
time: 7:30
